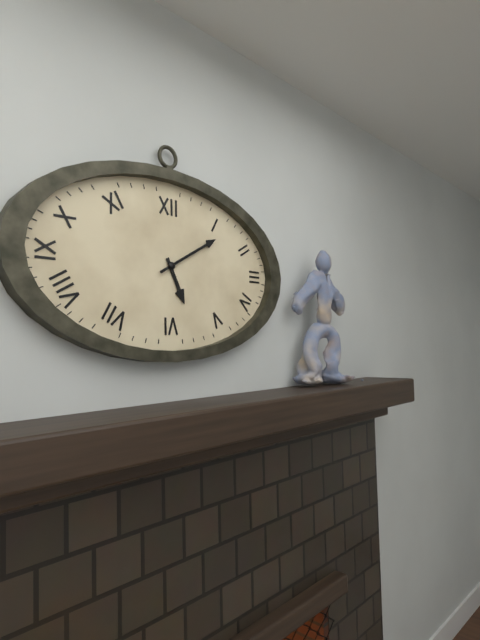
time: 5:10
